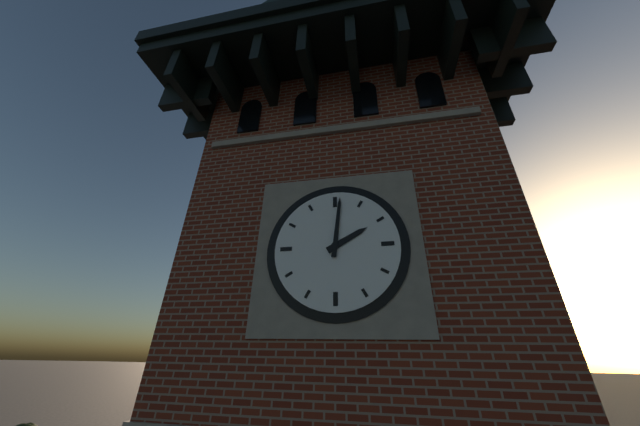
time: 2:01
